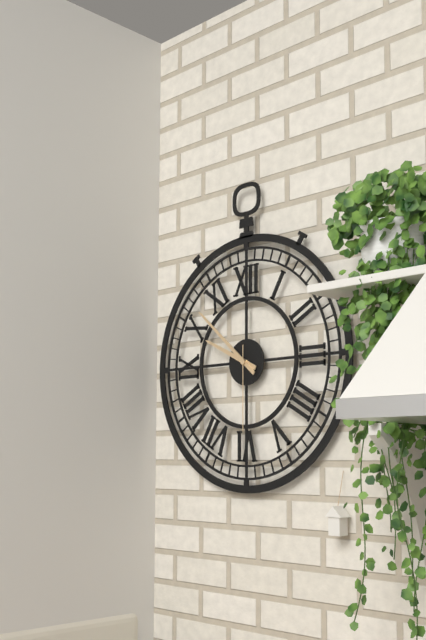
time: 9:52:30
